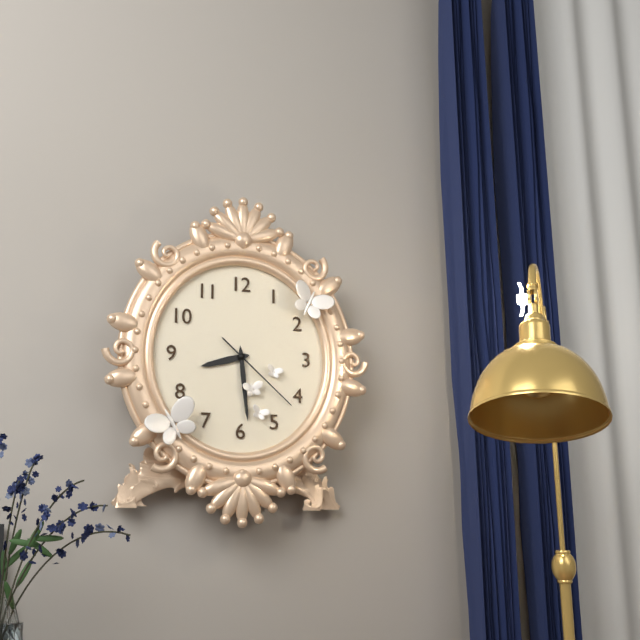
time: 8:29:22
